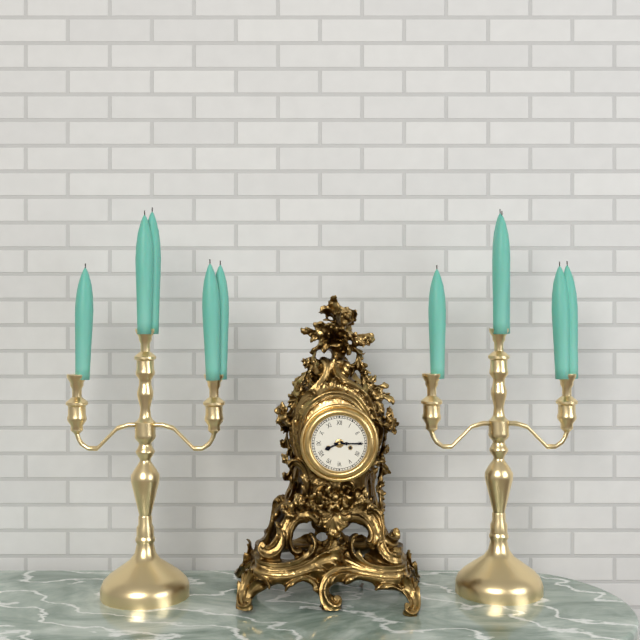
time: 8:15
